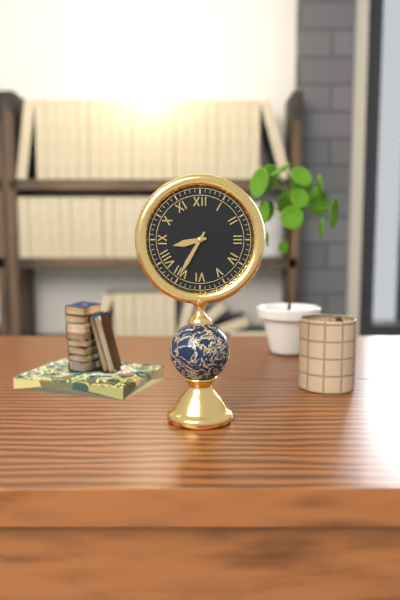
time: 8:35
